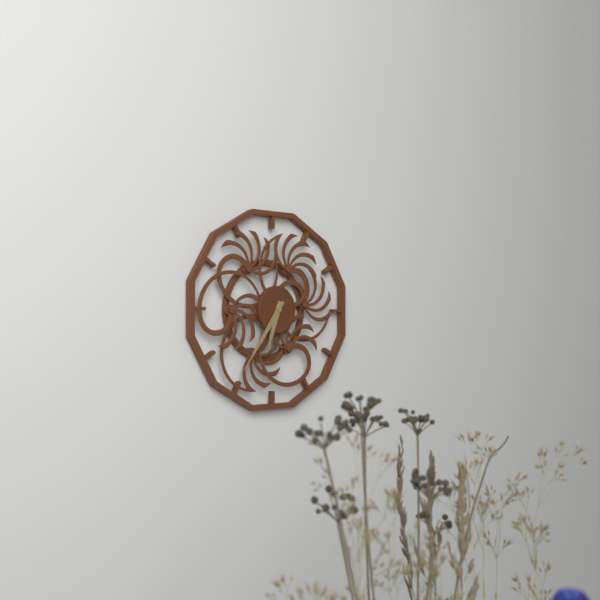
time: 6:36
